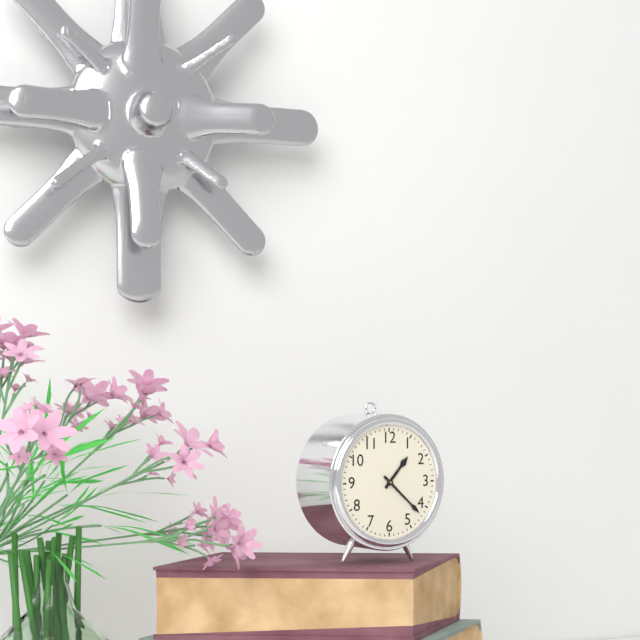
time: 1:22
